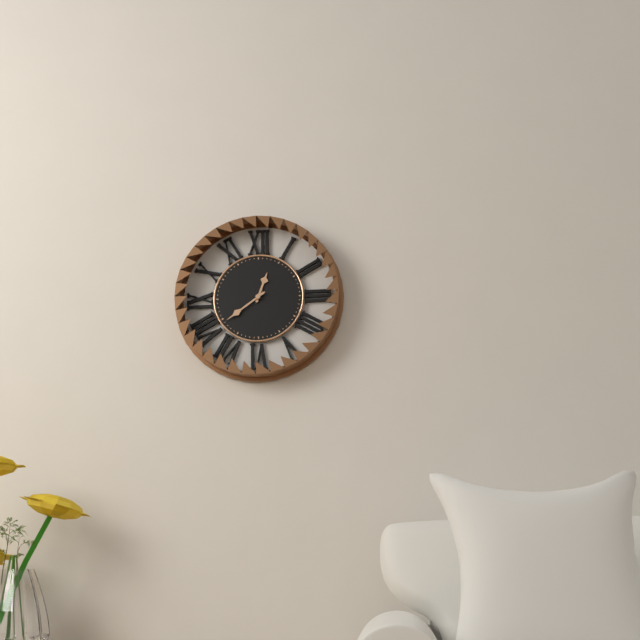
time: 12:39
